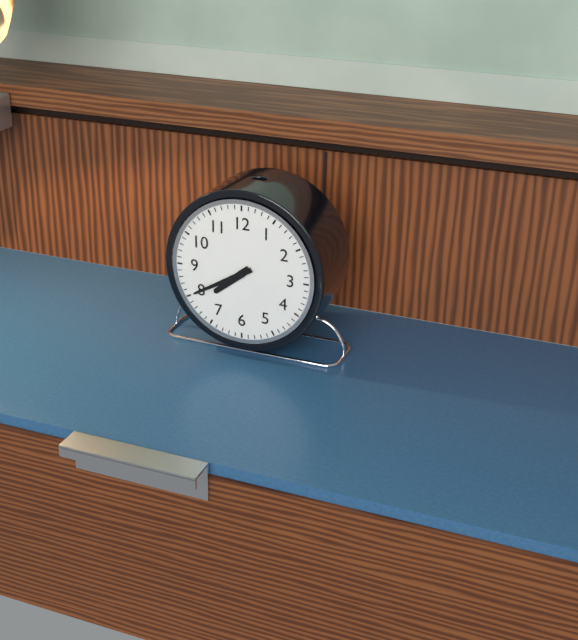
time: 7:40
